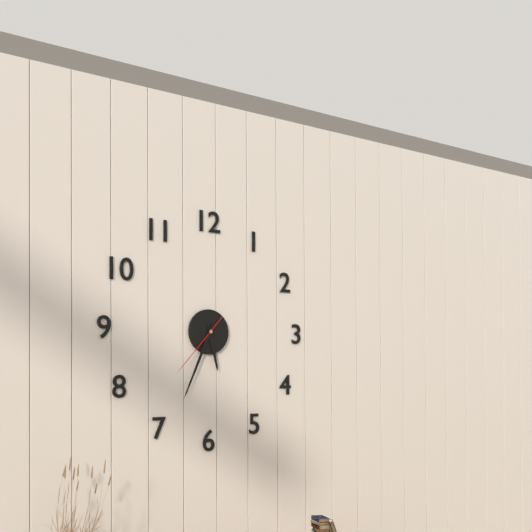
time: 5:34:37
